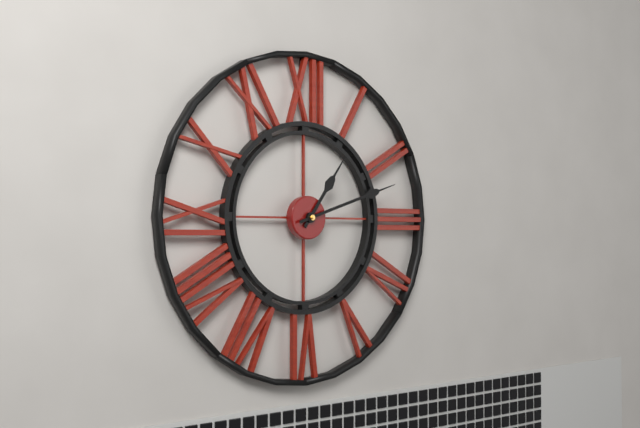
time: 1:12
